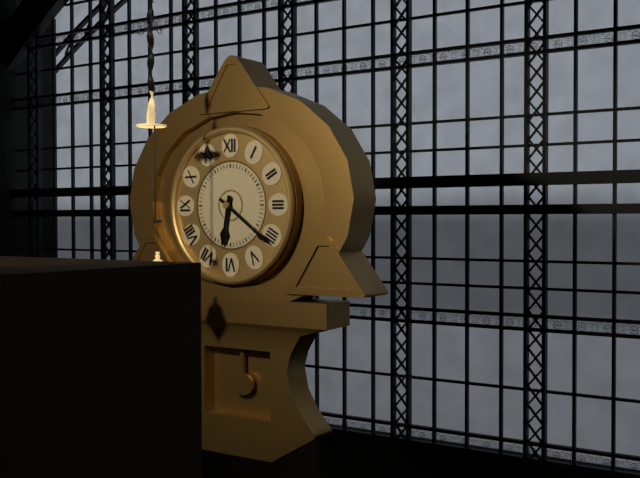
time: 6:21
